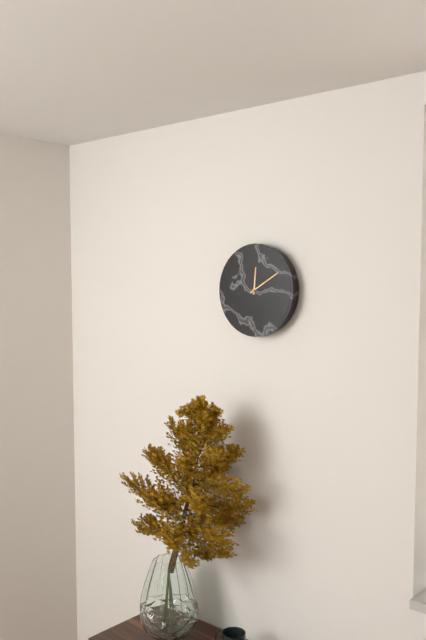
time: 12:10
